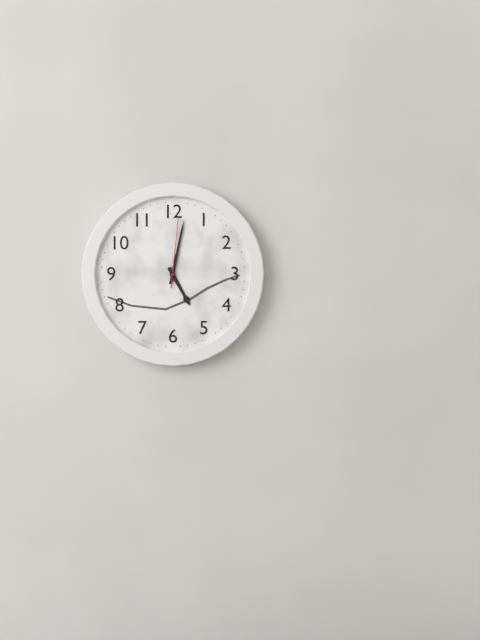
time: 5:02:01
